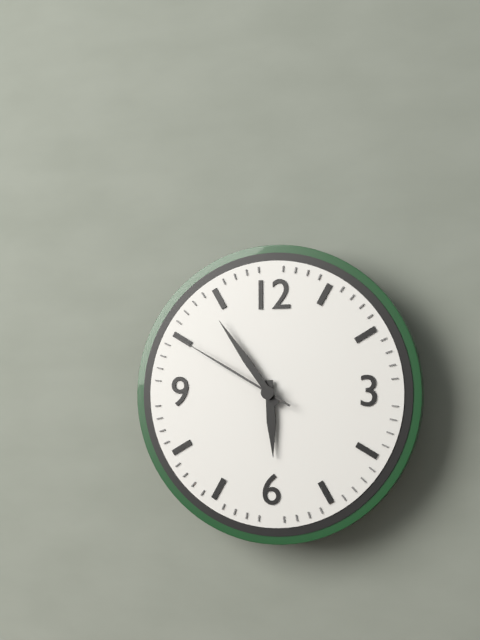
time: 5:54:50
